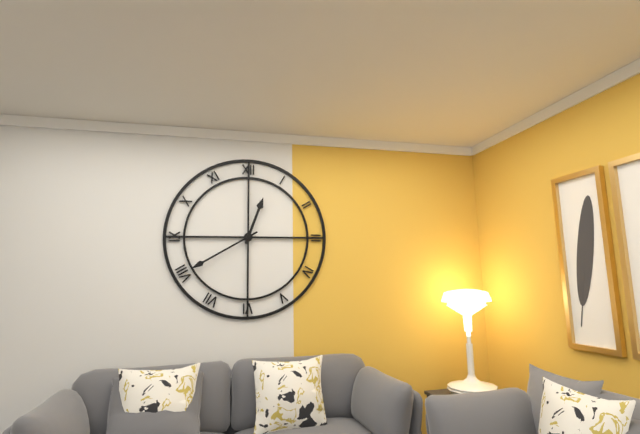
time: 12:40
